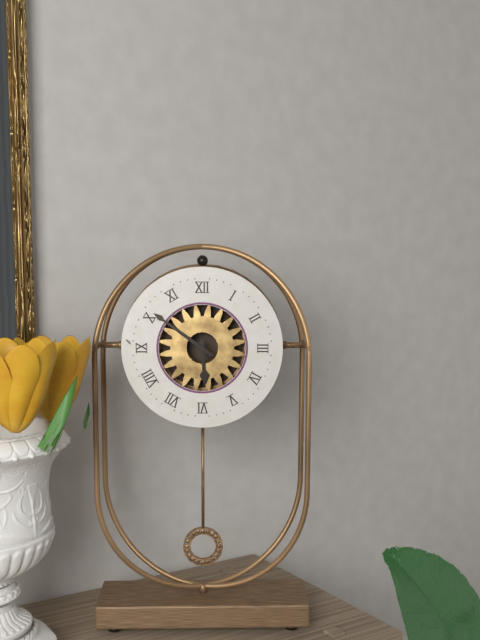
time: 5:51
